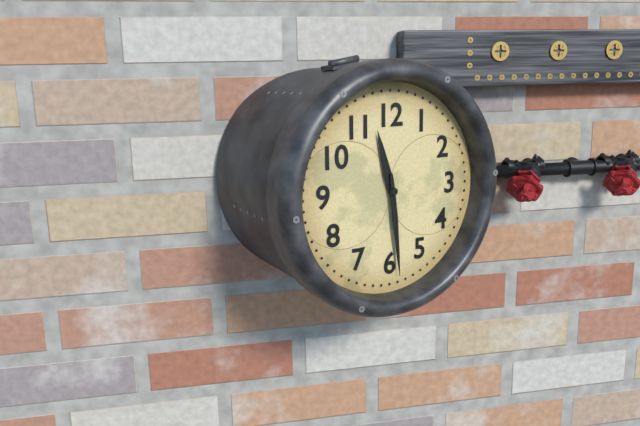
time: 11:29
